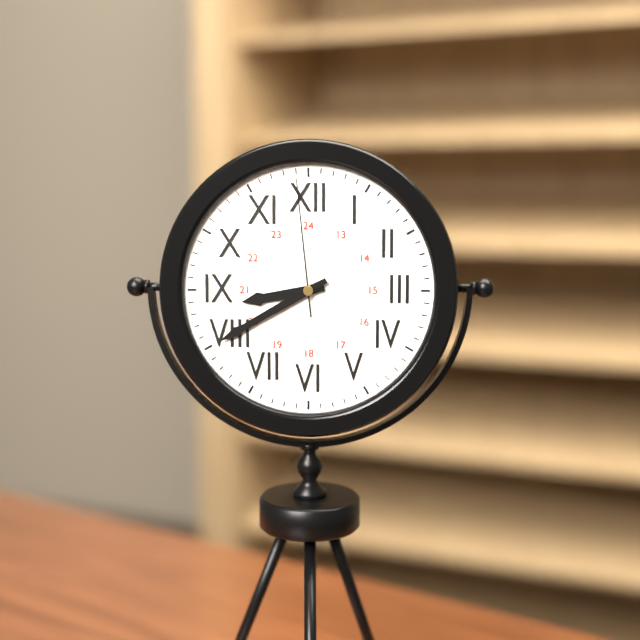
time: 8:40:59
